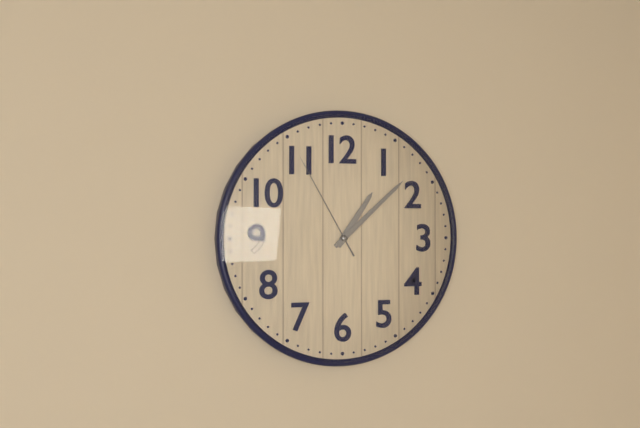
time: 1:08:55
